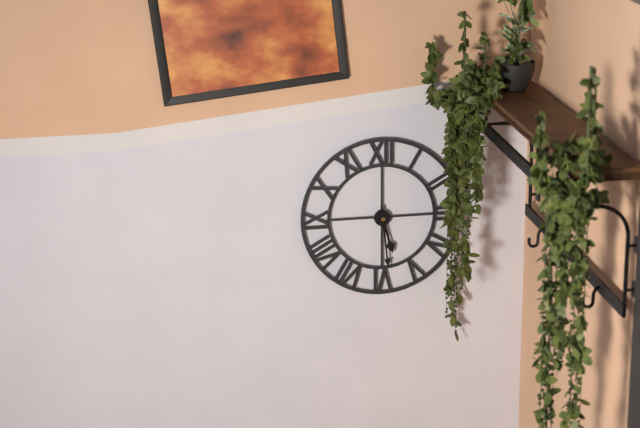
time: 5:29
